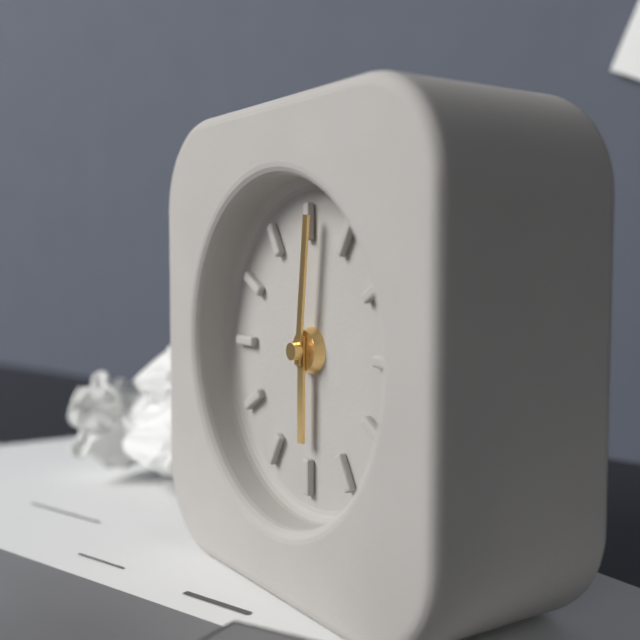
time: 6:01
